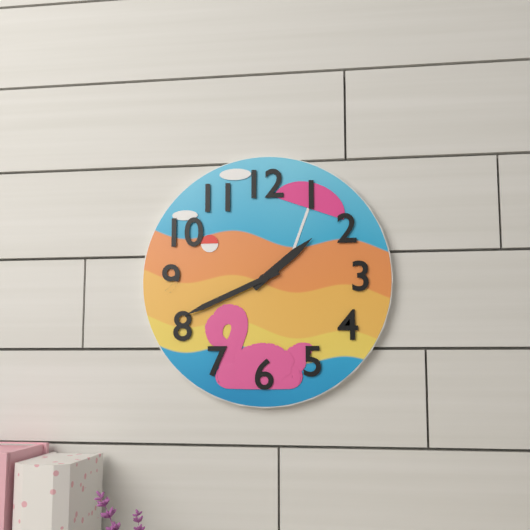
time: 1:41
